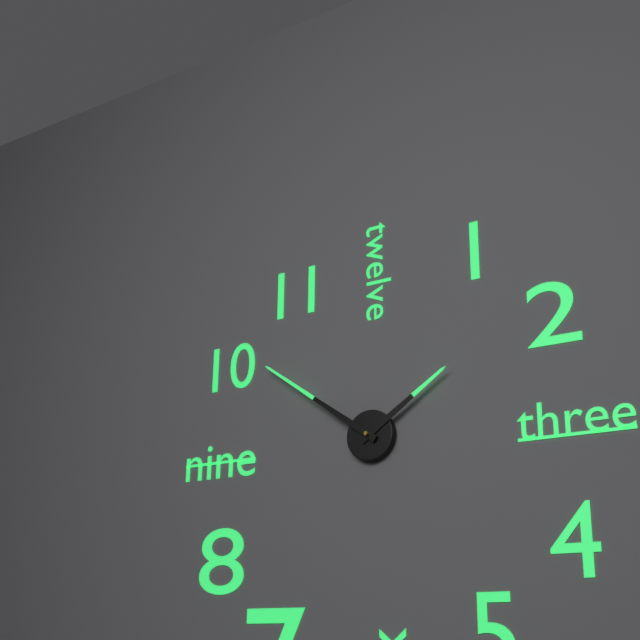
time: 1:51
